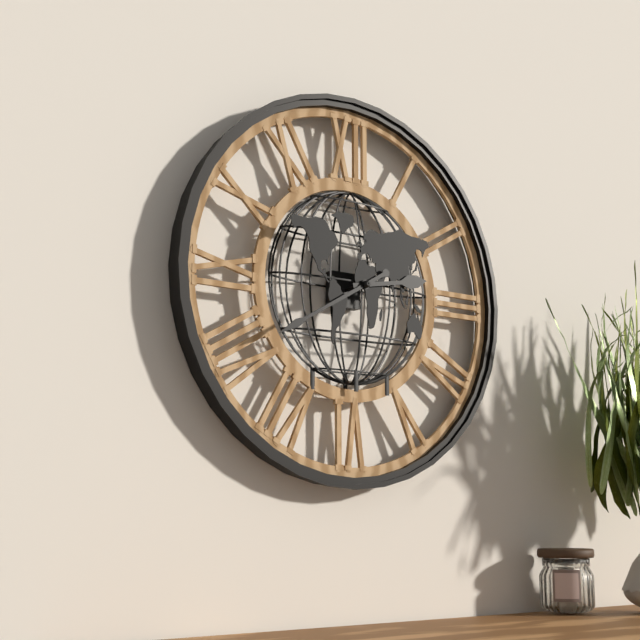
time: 2:40
